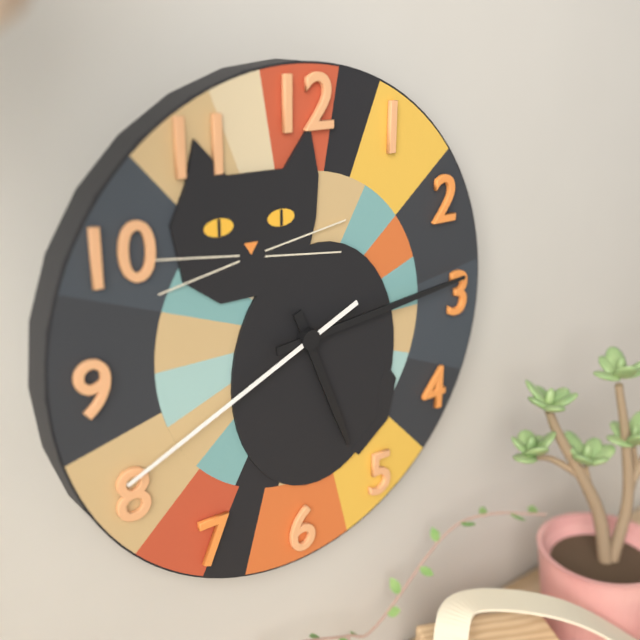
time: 5:14:41
